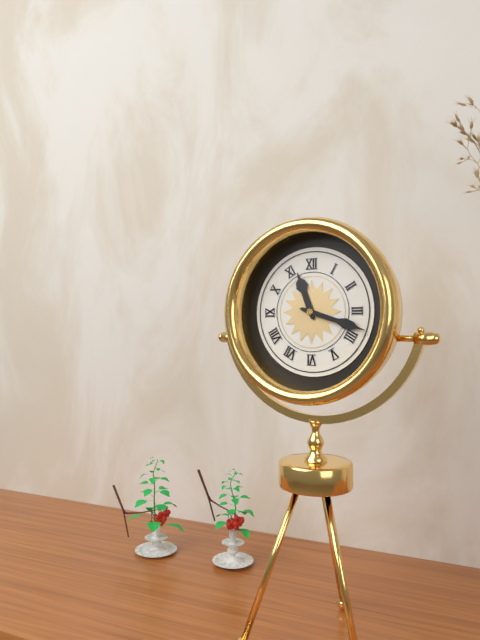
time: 11:18
